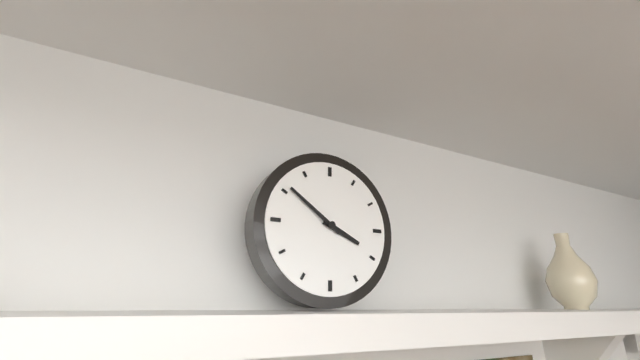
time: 3:51
